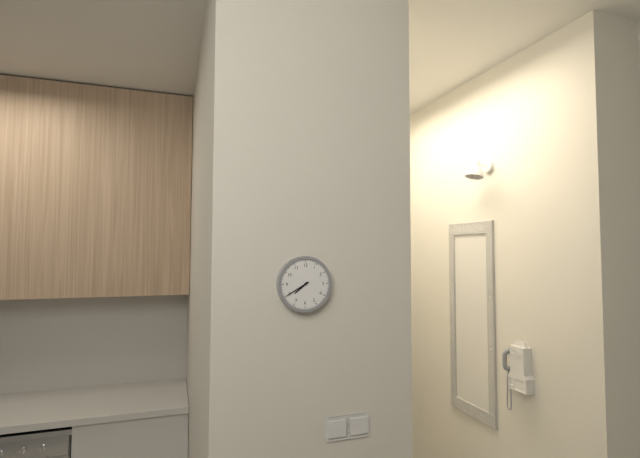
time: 7:40
